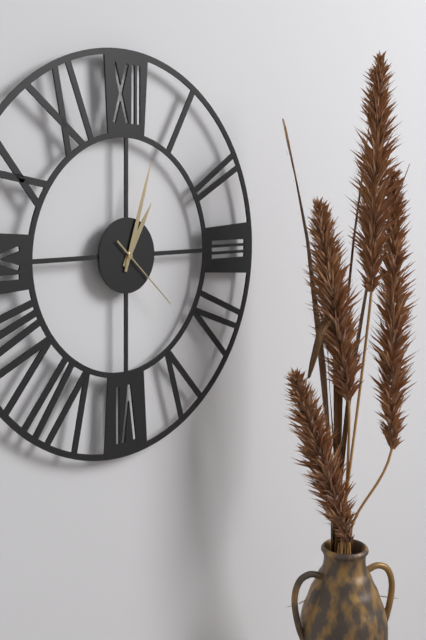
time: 1:03:22
